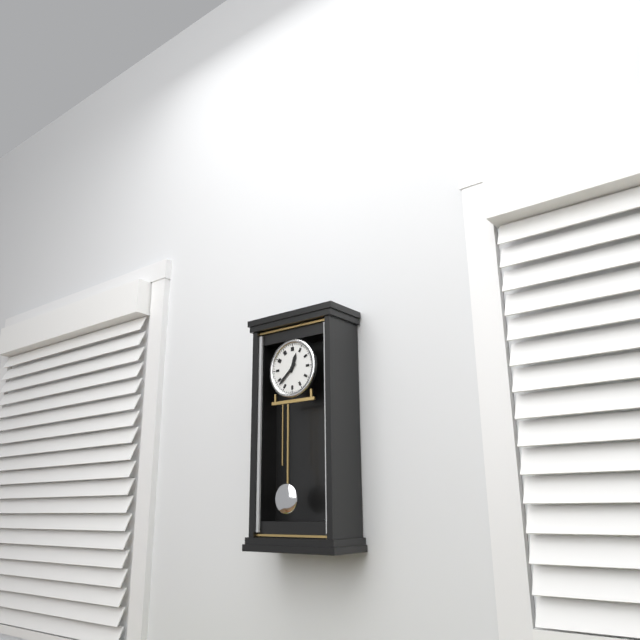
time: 12:38
